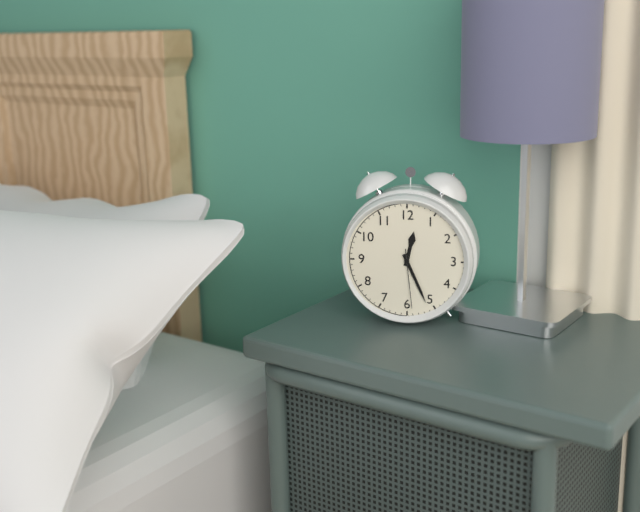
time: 12:26:29
